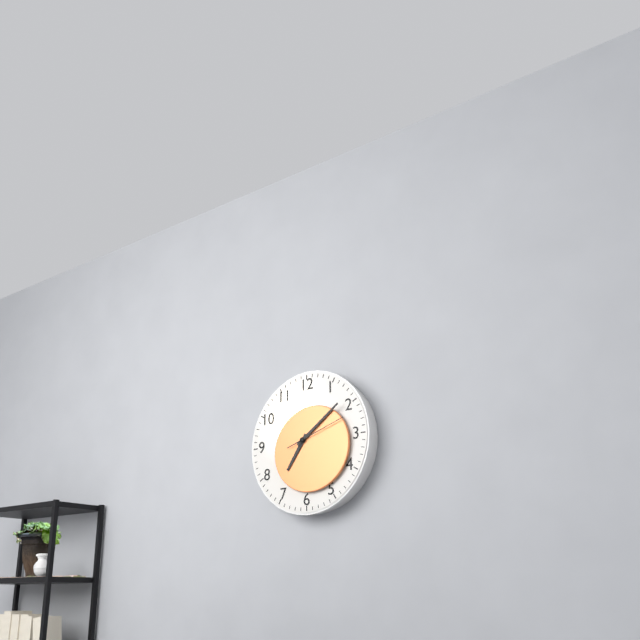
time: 7:09:12
